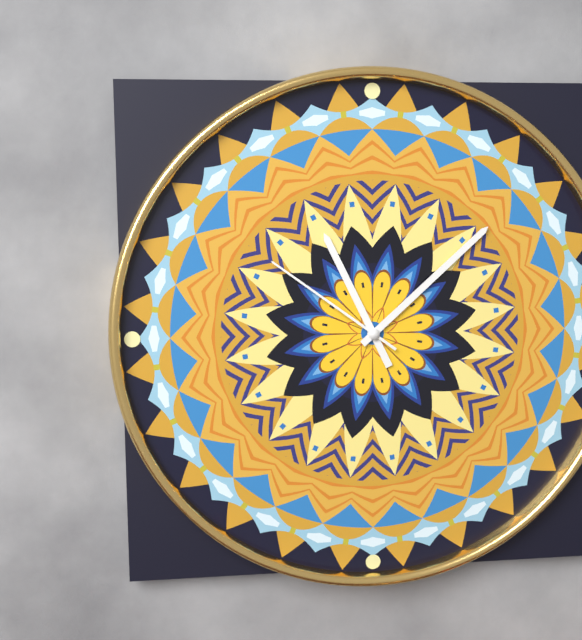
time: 11:08:51
